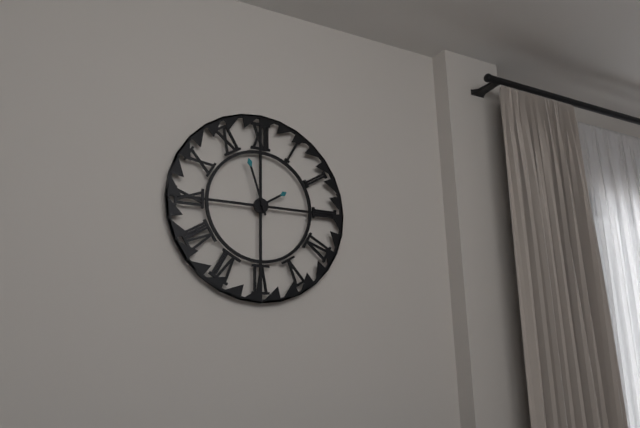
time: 1:57
